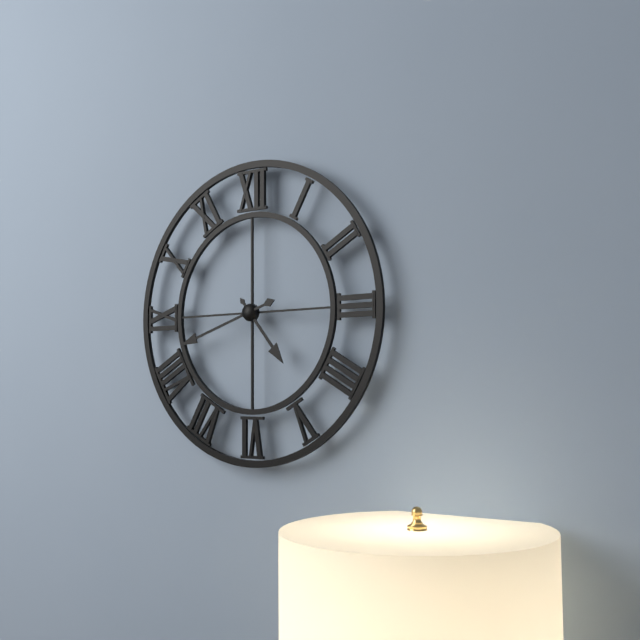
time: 4:42
